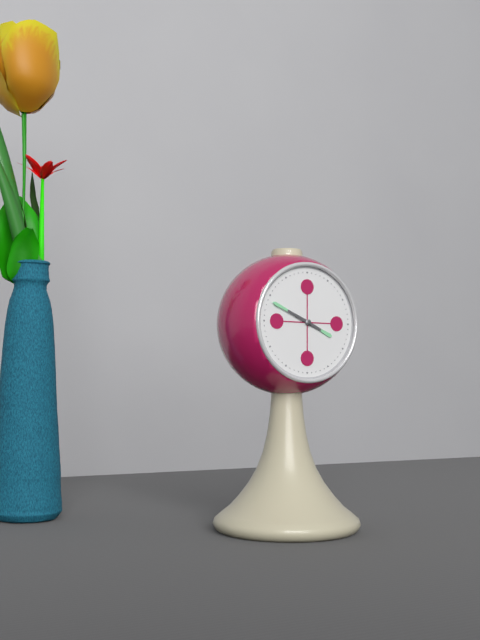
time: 3:49
